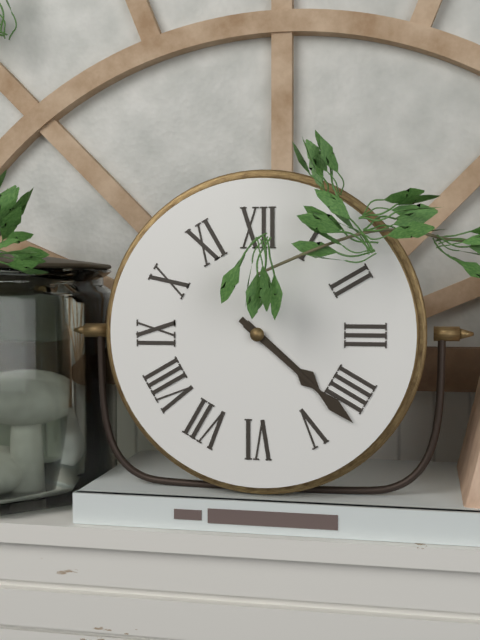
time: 4:22
